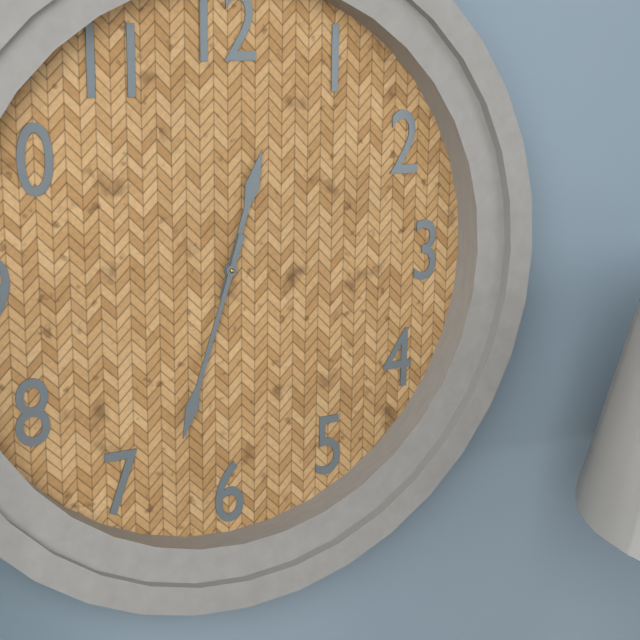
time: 12:33
